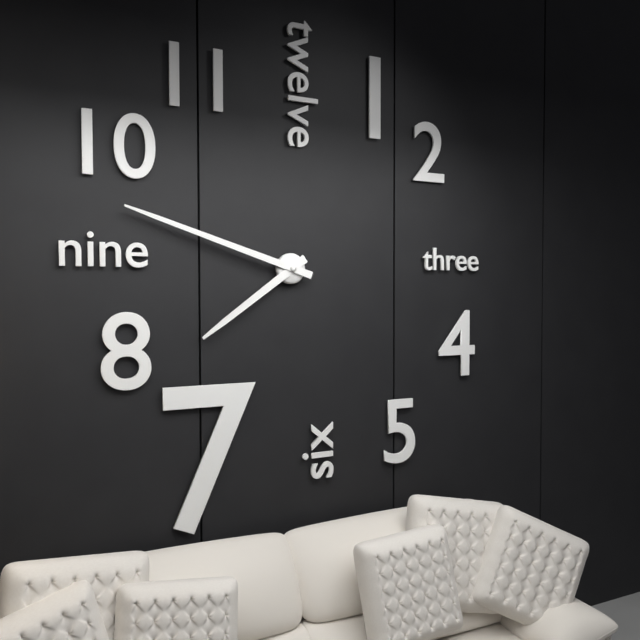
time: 7:48
